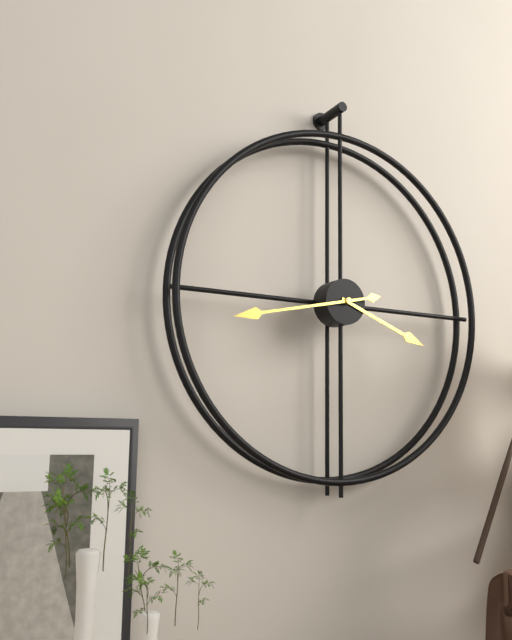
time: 3:43
